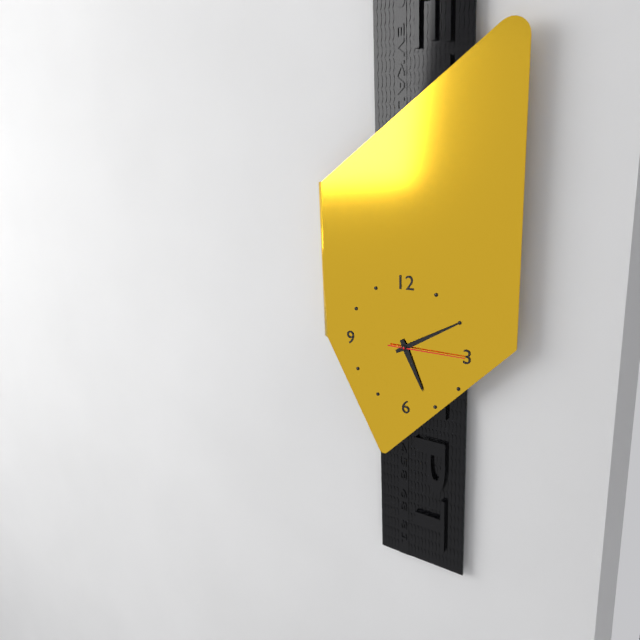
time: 5:10:15
